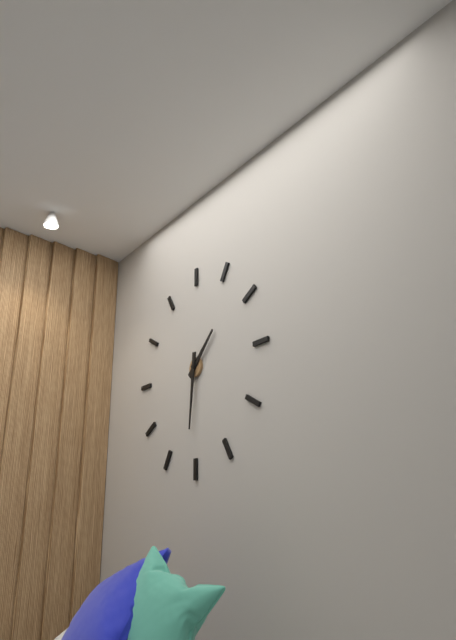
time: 1:31
